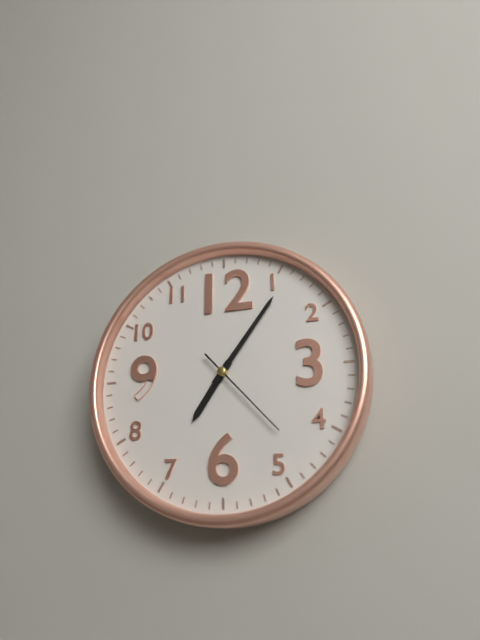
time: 7:06:23
